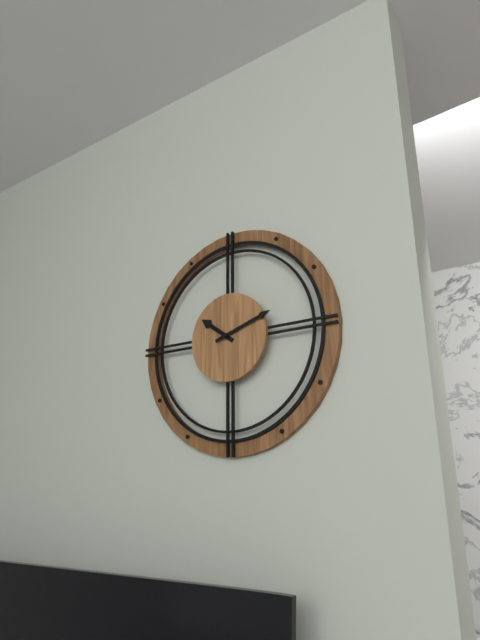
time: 10:12
